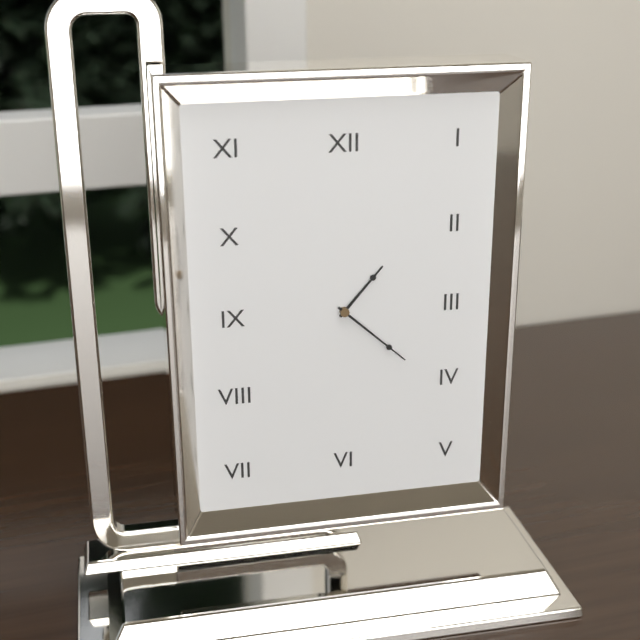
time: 1:22
